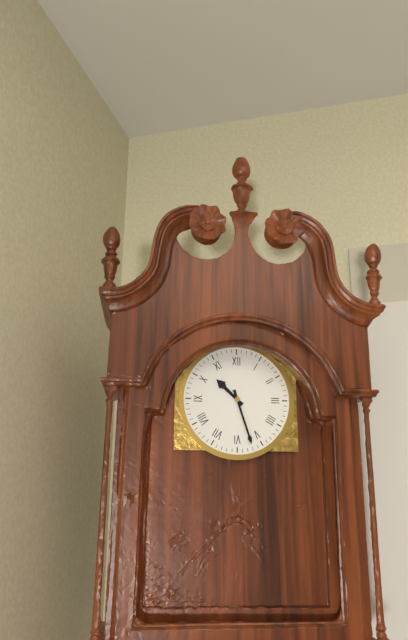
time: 10:27
